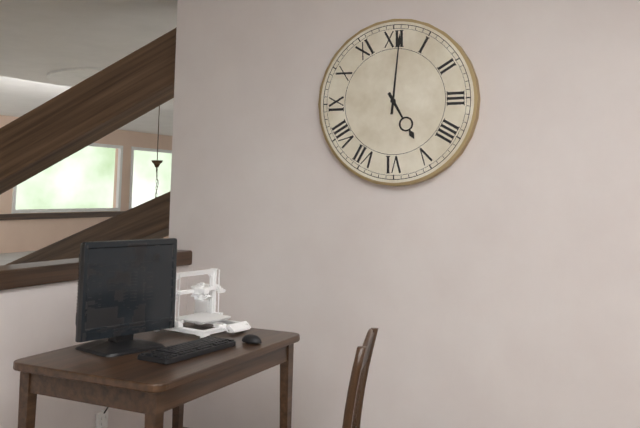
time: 5:01
